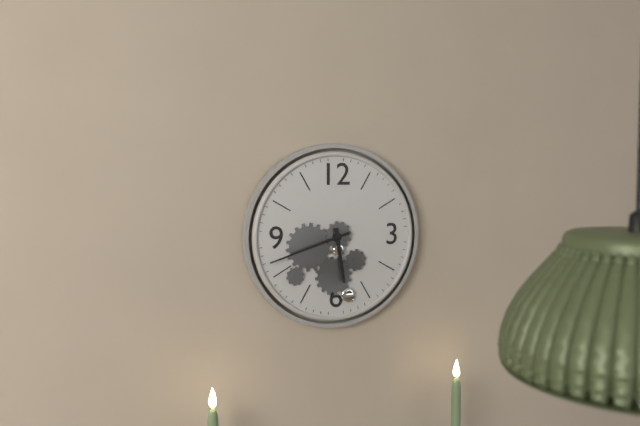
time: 5:42
